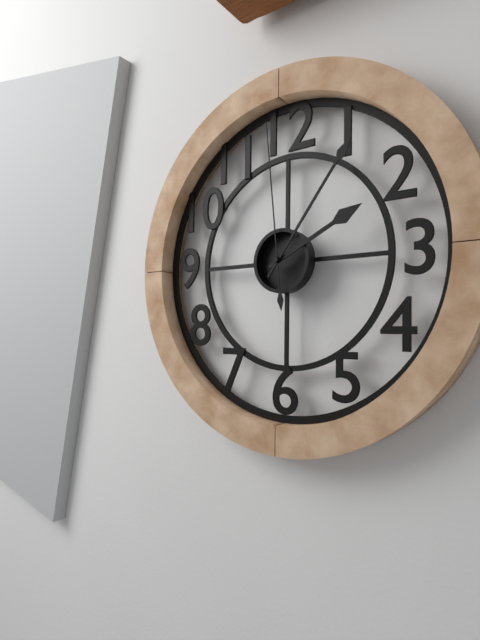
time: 2:06:59
